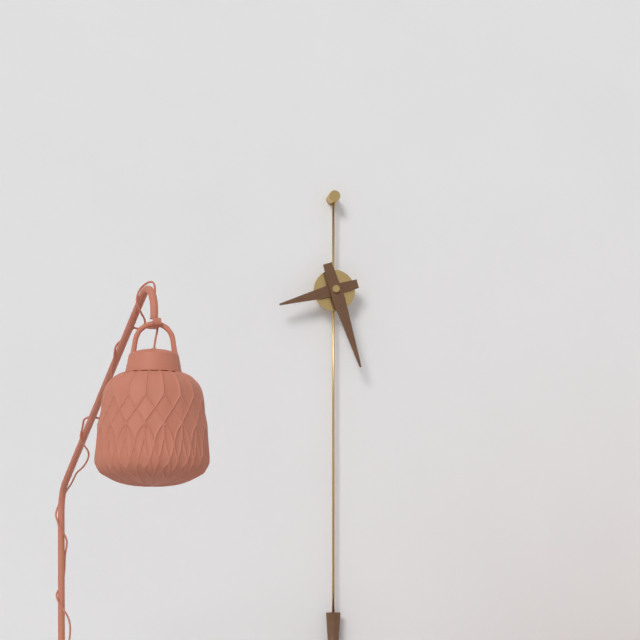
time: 8:27
